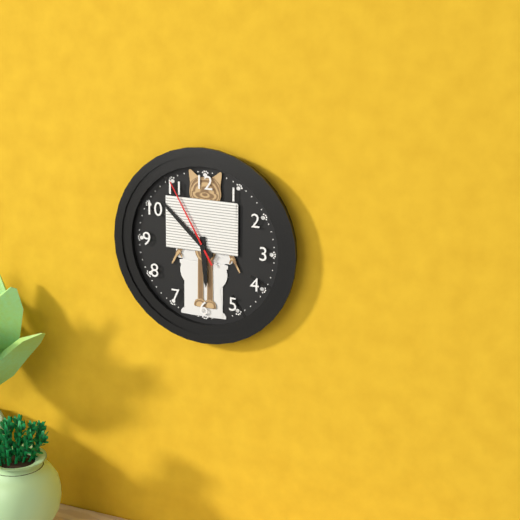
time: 5:52:55
